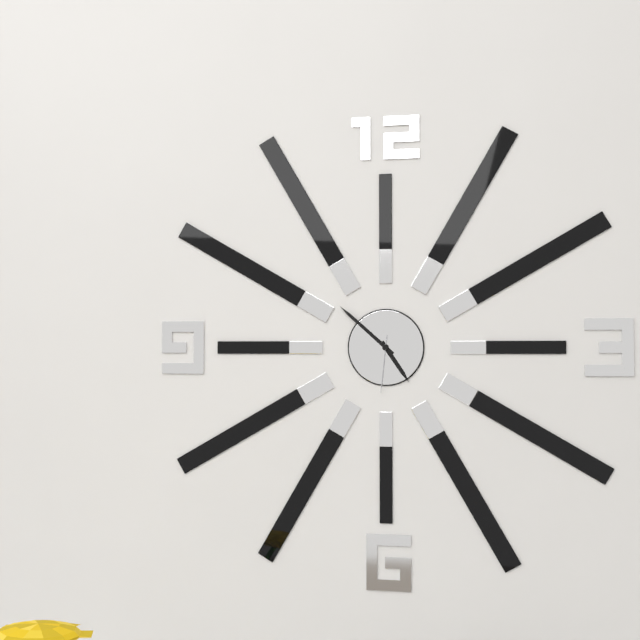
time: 4:52:31
